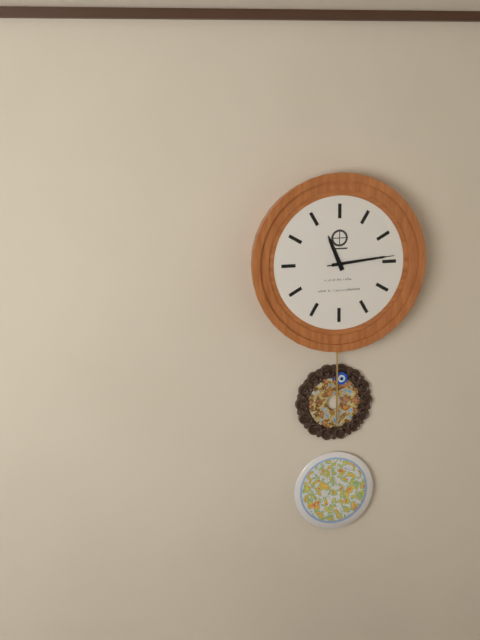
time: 11:14:14
